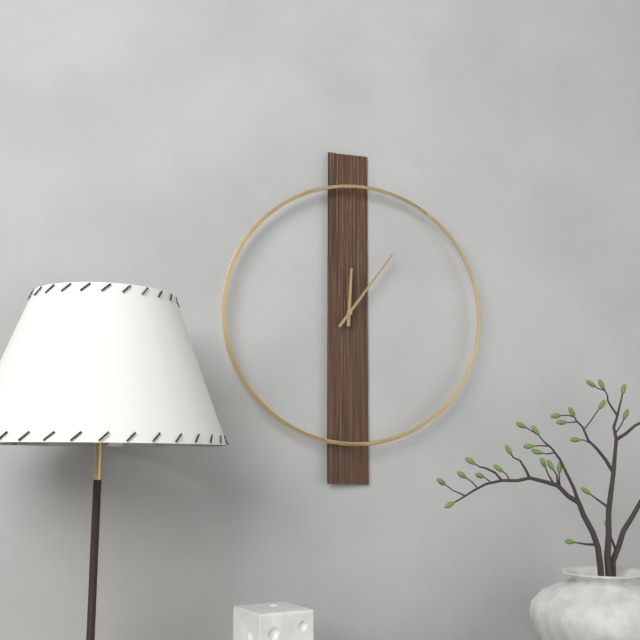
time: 12:06
